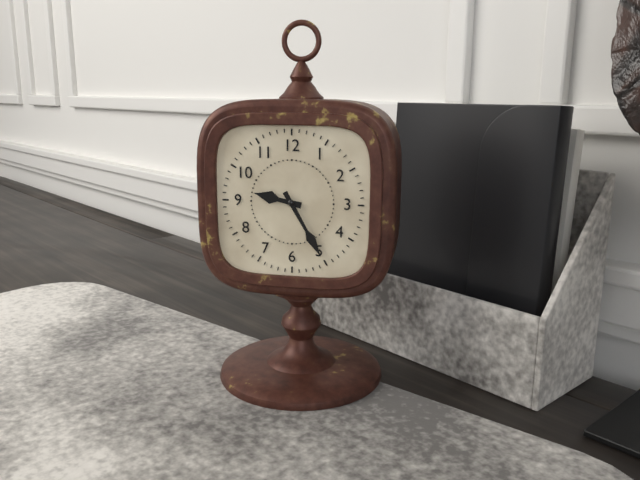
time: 9:25
